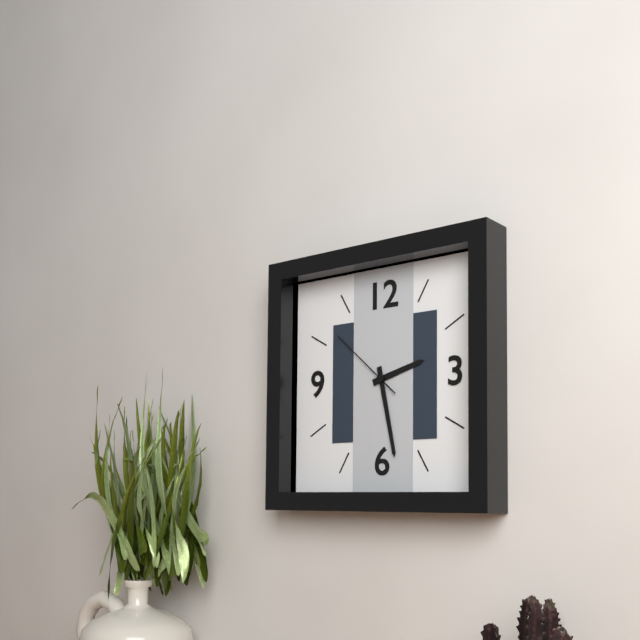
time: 2:28:52
